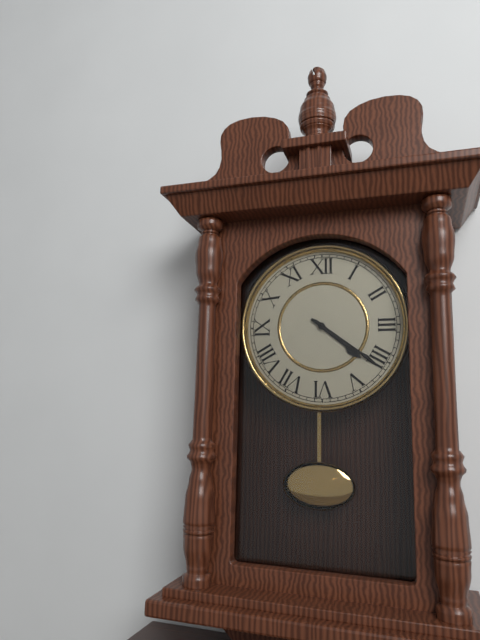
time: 4:21
